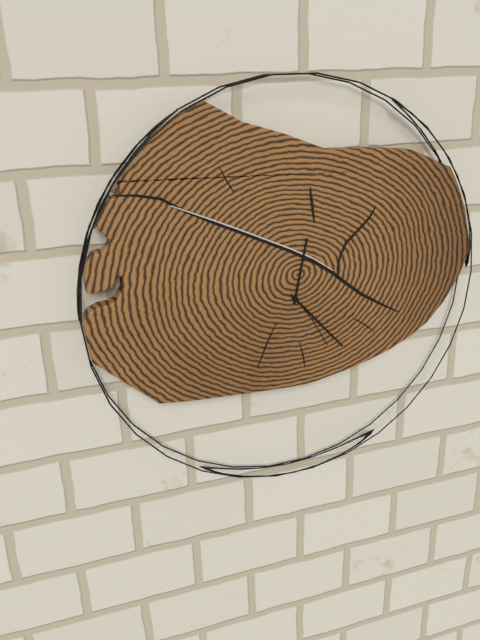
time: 12:23
